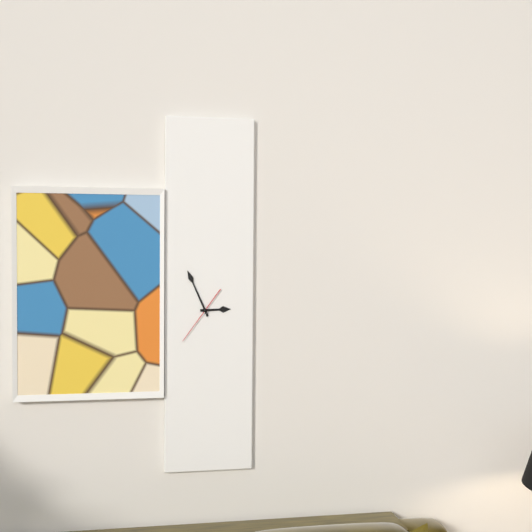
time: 2:56
